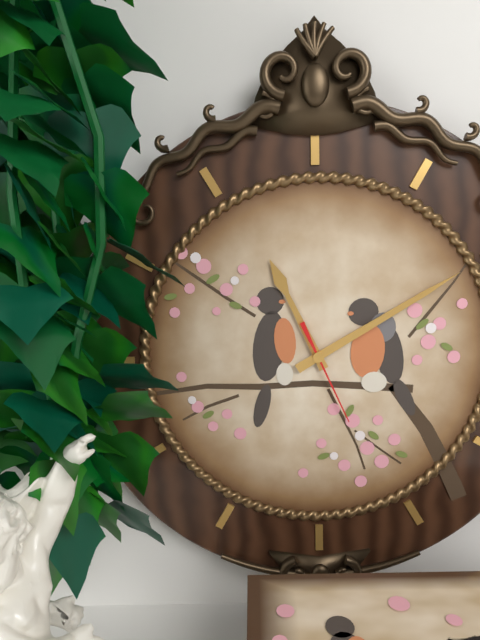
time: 11:10:26
